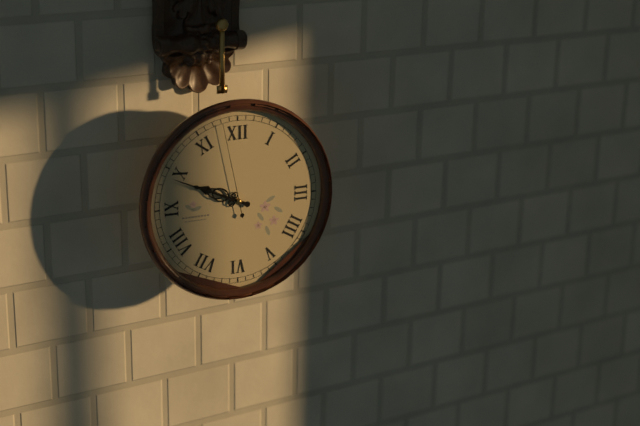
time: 9:49:58
